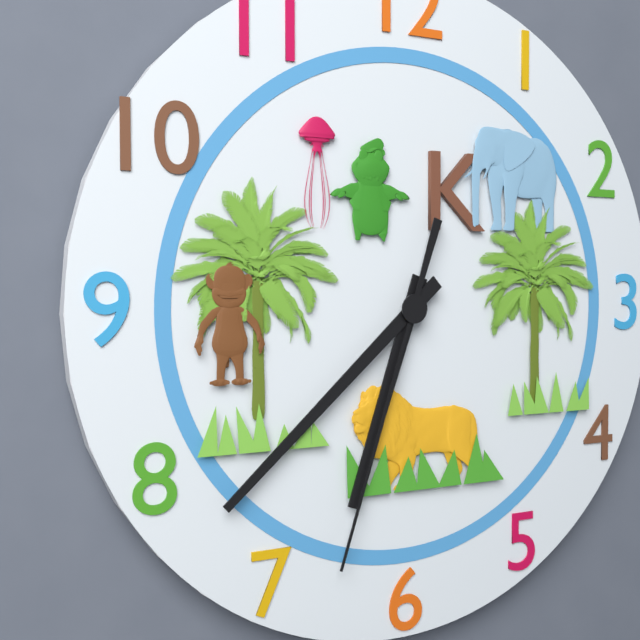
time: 6:38:33
